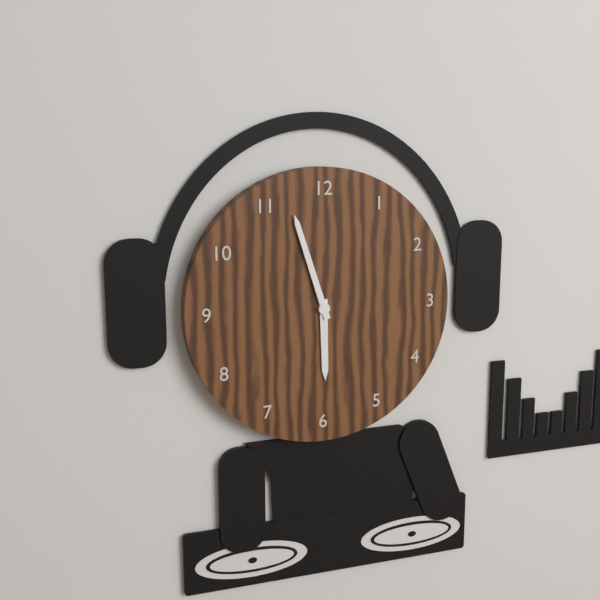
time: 5:57
